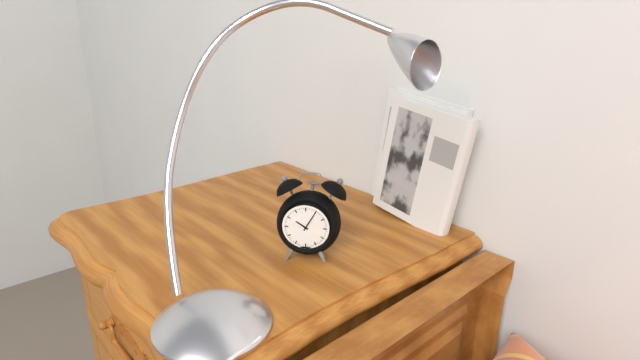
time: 10:05
